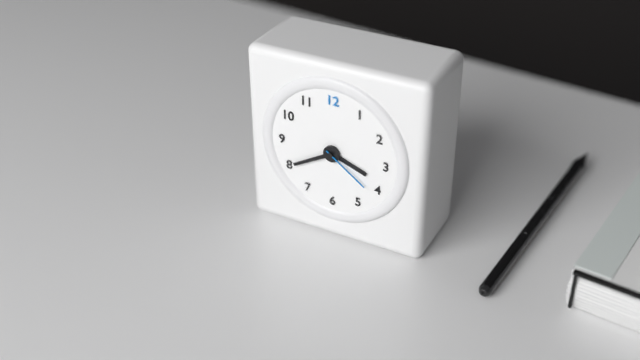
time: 3:40:21
